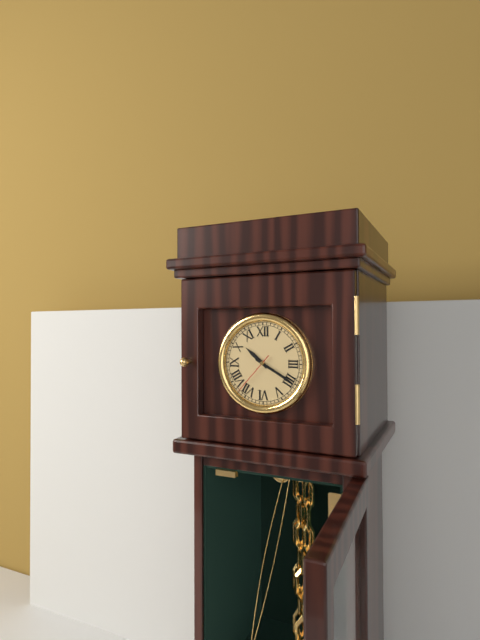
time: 10:20
